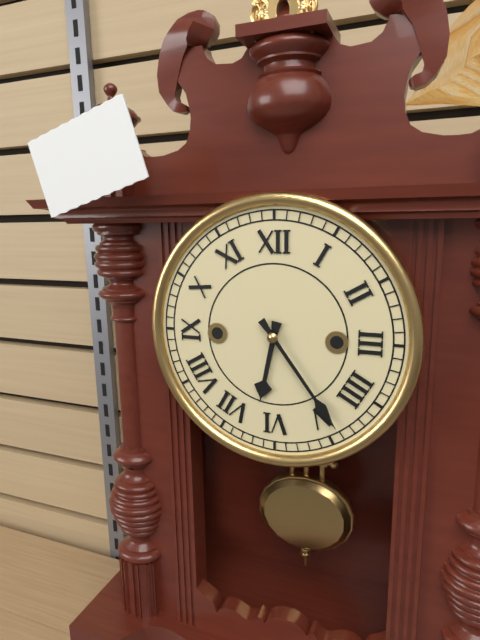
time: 6:24
